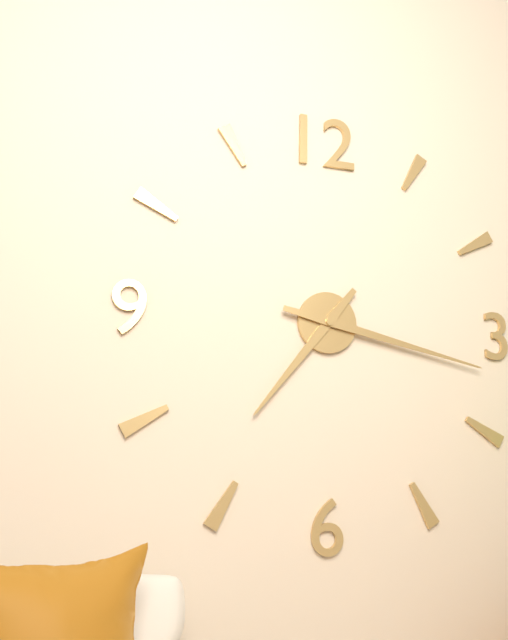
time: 7:17
